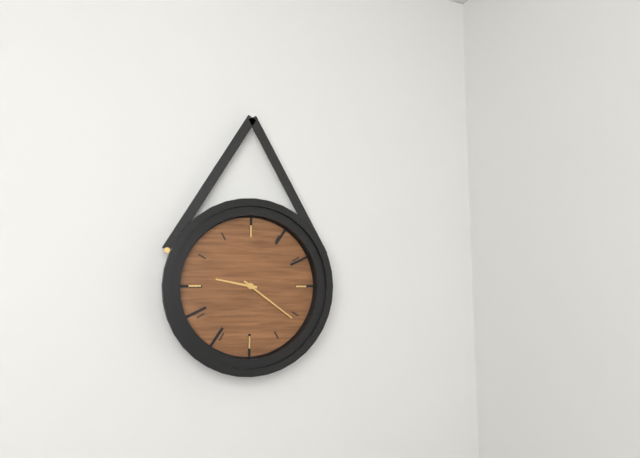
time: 9:21
